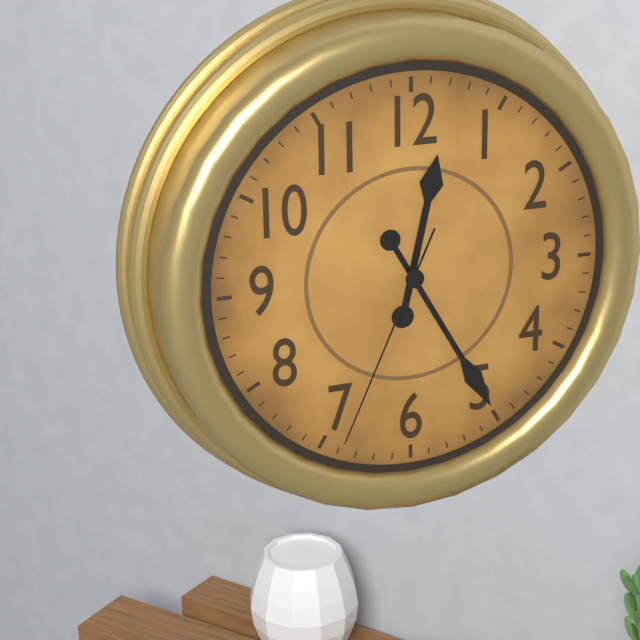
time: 12:25:34
